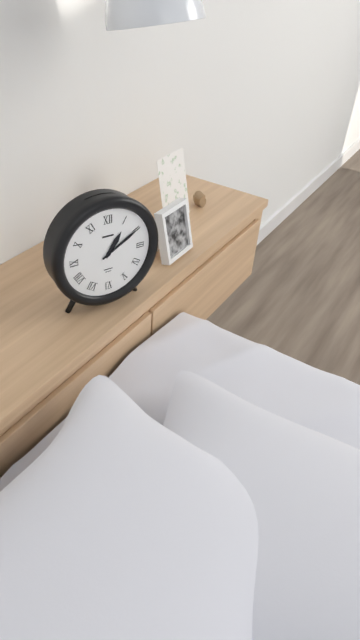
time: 1:10
